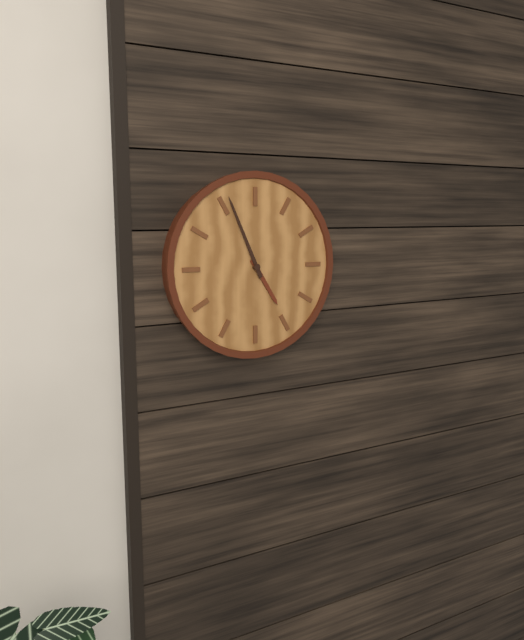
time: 4:56
